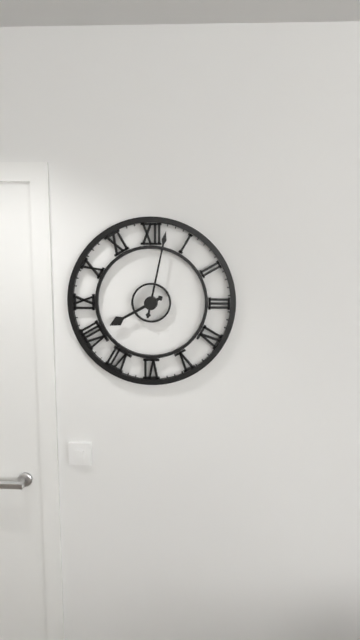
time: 8:02
